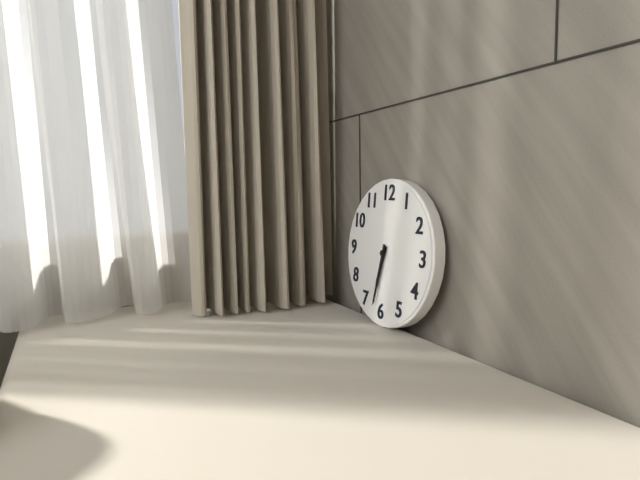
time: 6:32
